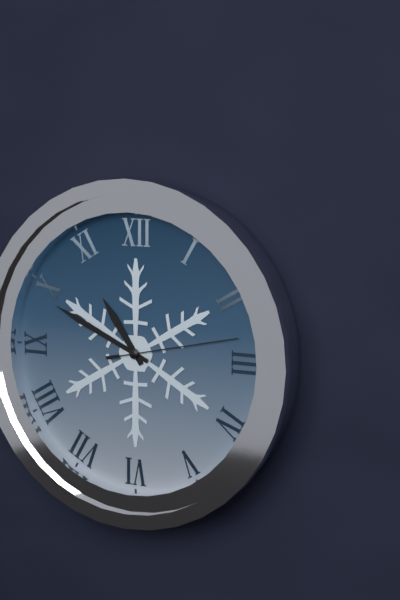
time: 10:49:13
